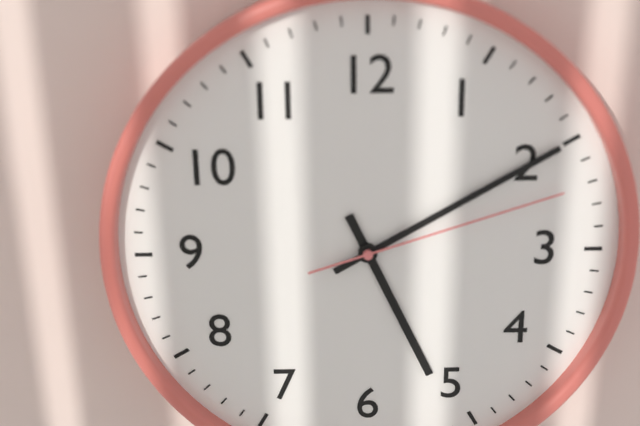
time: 5:10:12
